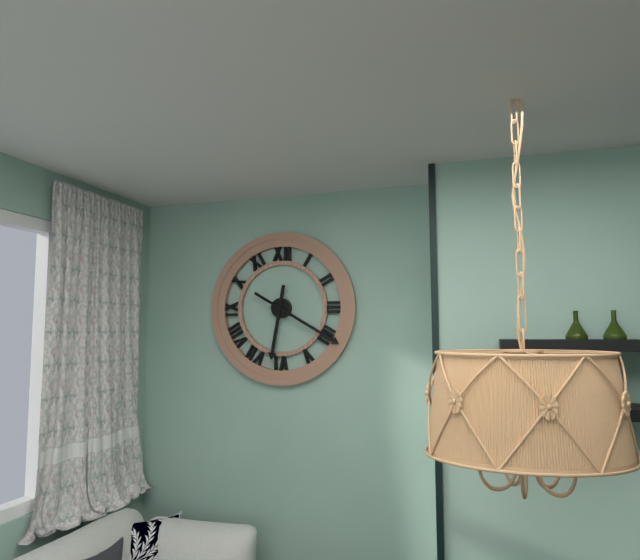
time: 6:20
